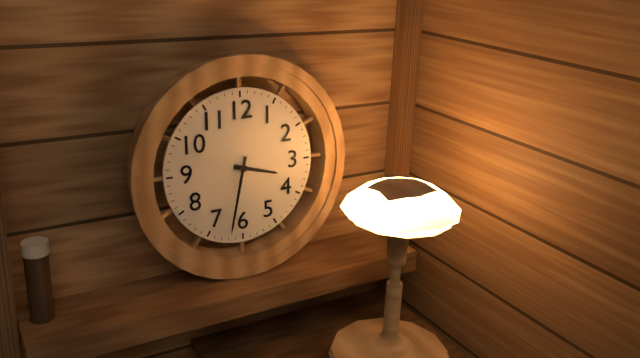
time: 3:32
